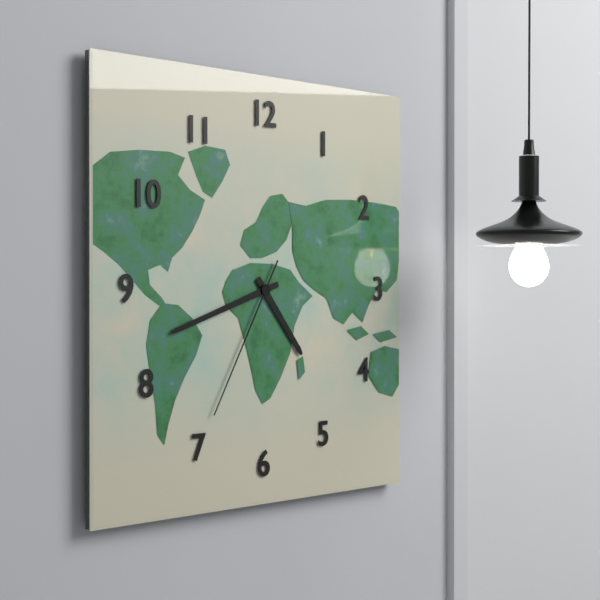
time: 4:42:35
